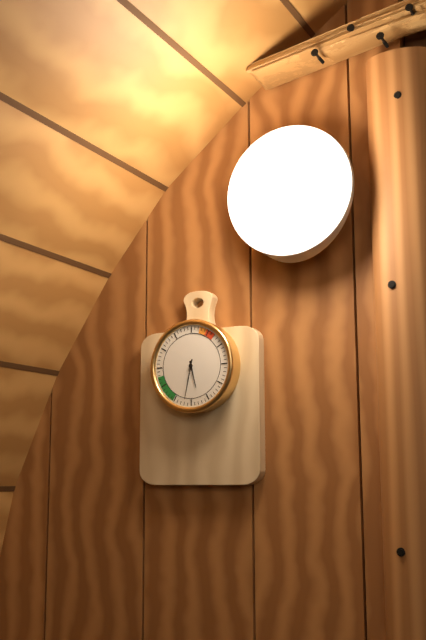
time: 5:32
